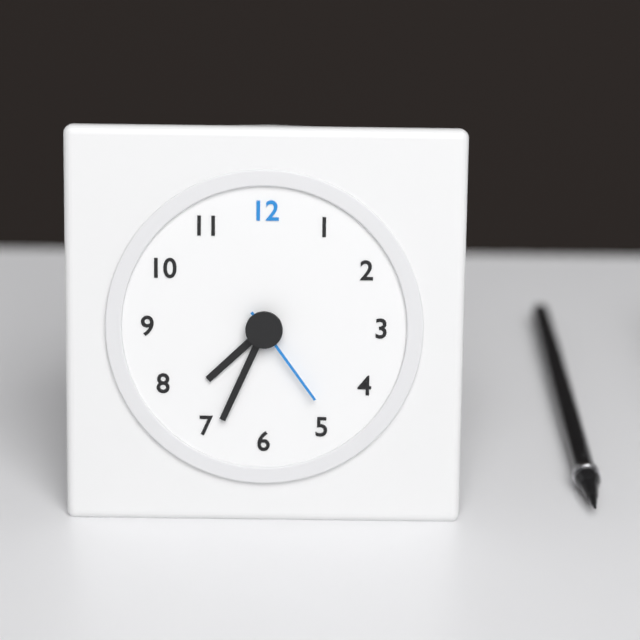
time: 7:34:24
